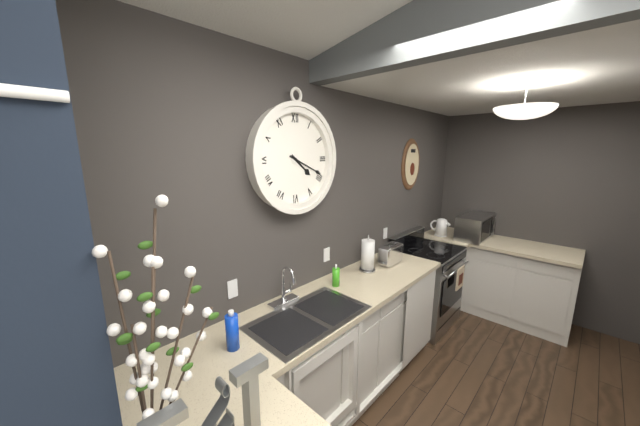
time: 4:19
